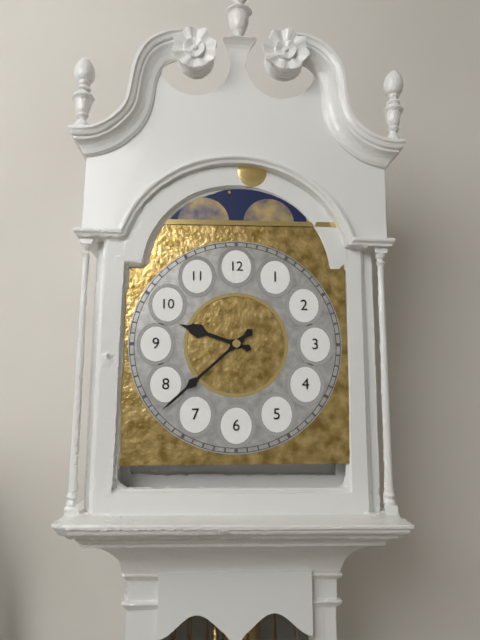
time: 9:38
